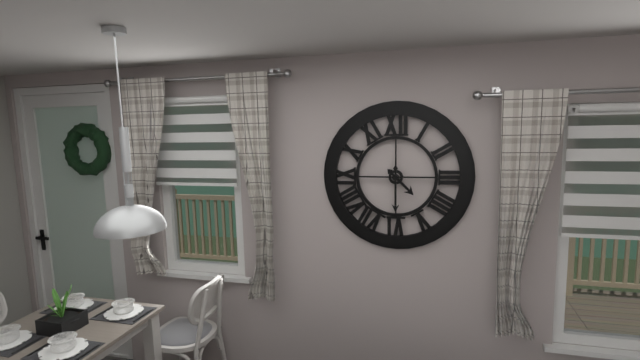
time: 4:30
